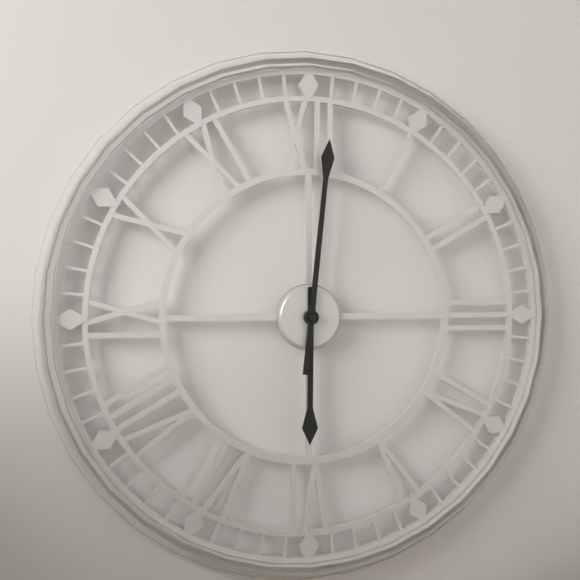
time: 6:01
